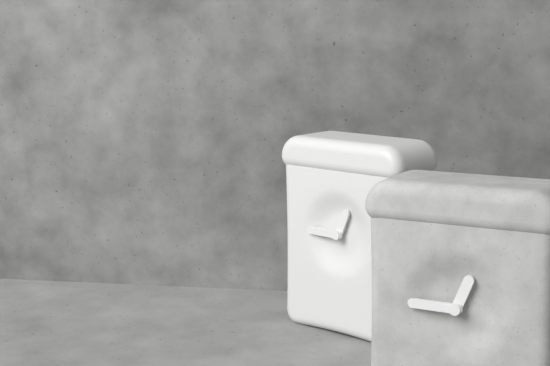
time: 12:45
